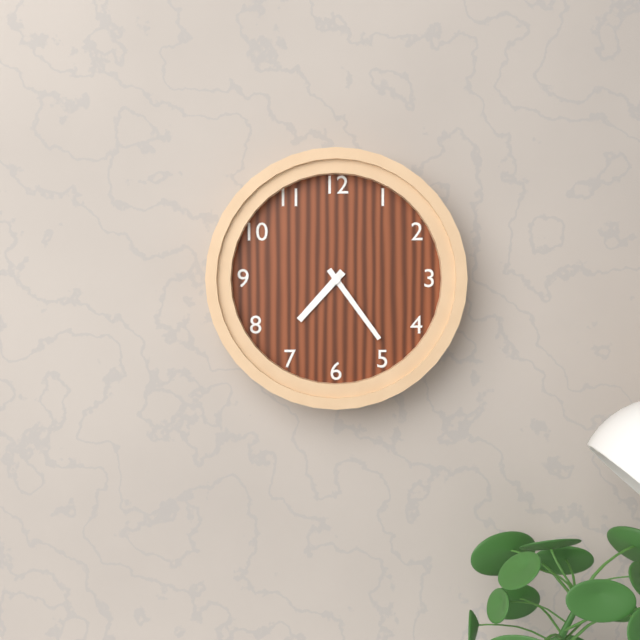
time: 7:24
